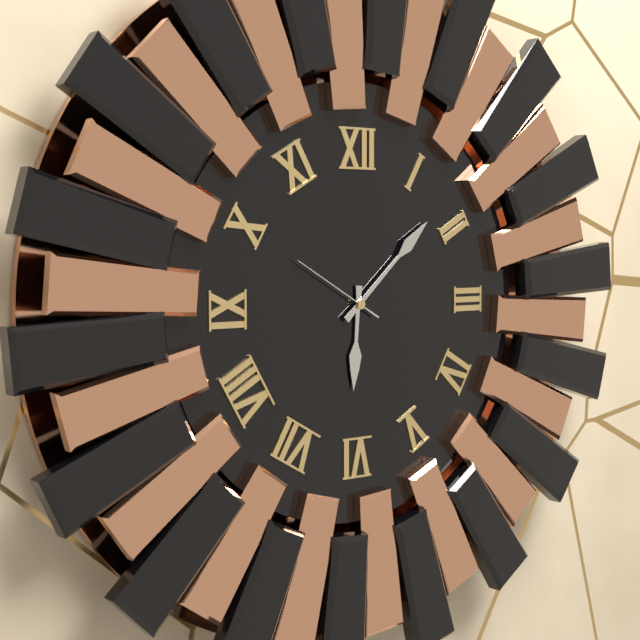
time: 6:08:50
